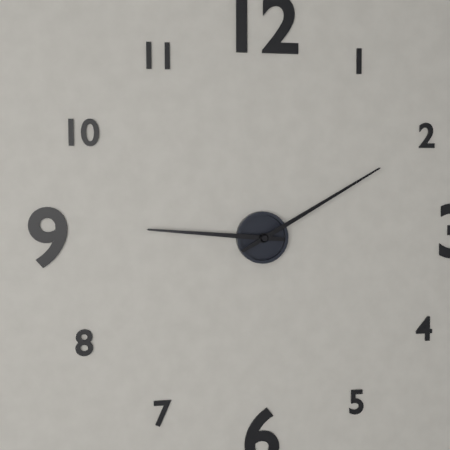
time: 9:10
